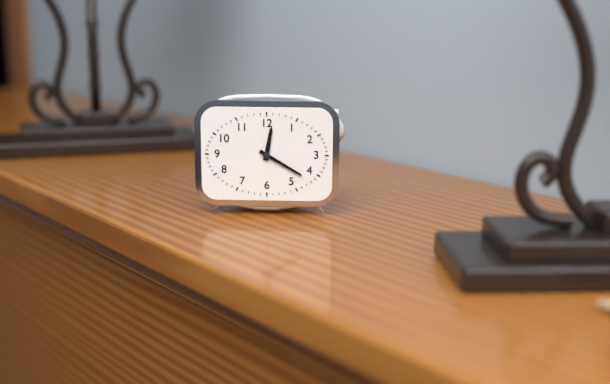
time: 12:20
